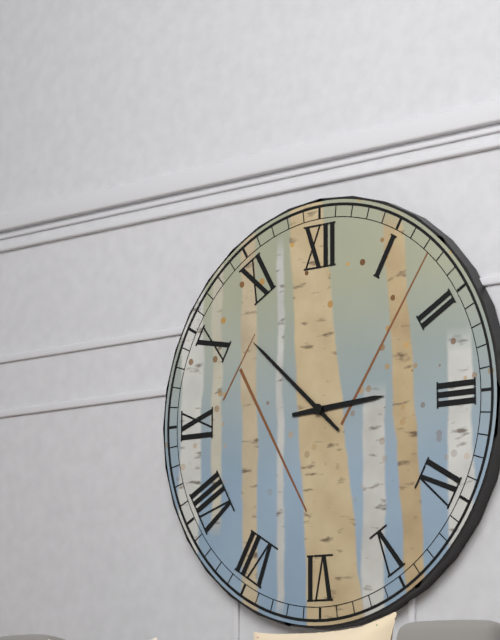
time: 2:52
